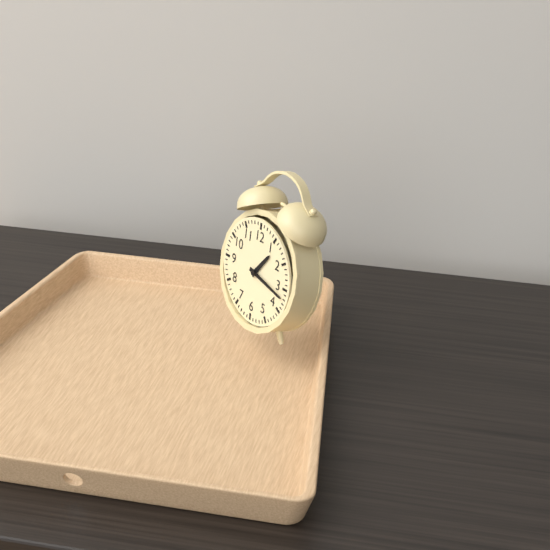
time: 1:17
